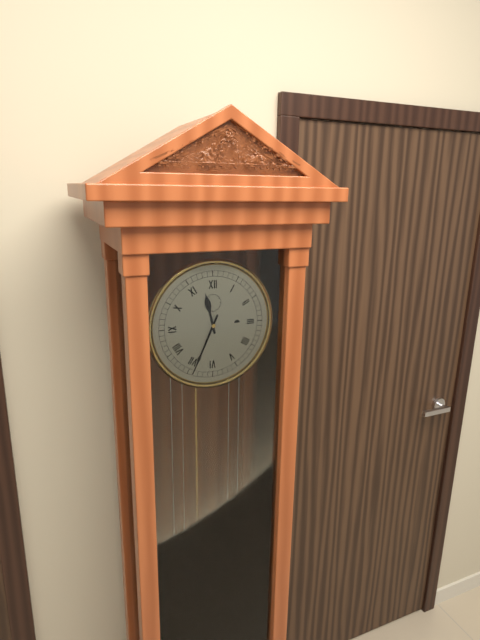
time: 11:34
